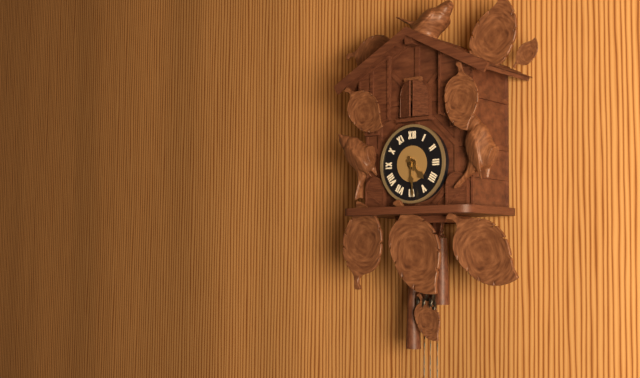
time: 4:29
